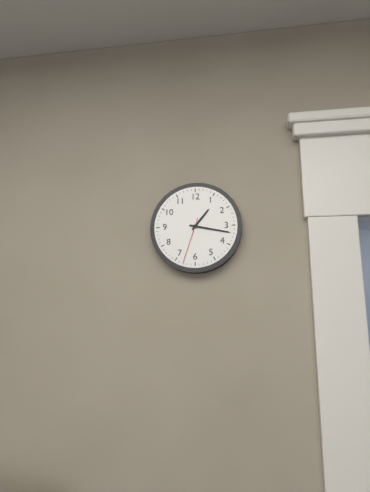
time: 1:17
